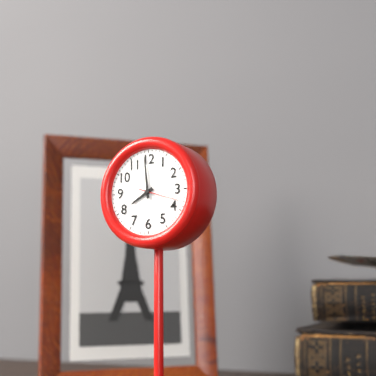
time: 7:59
